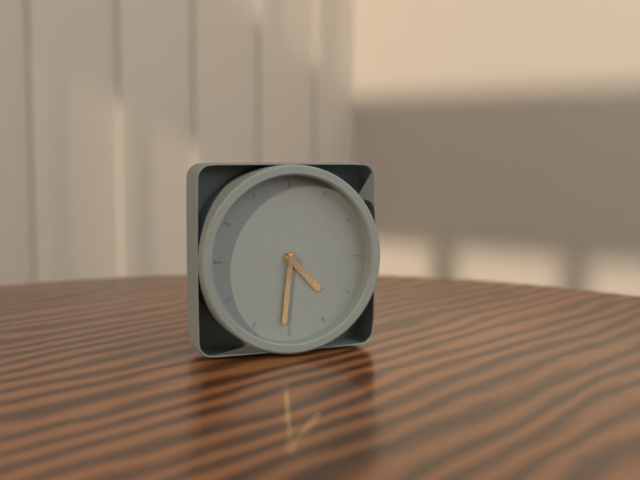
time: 4:31
